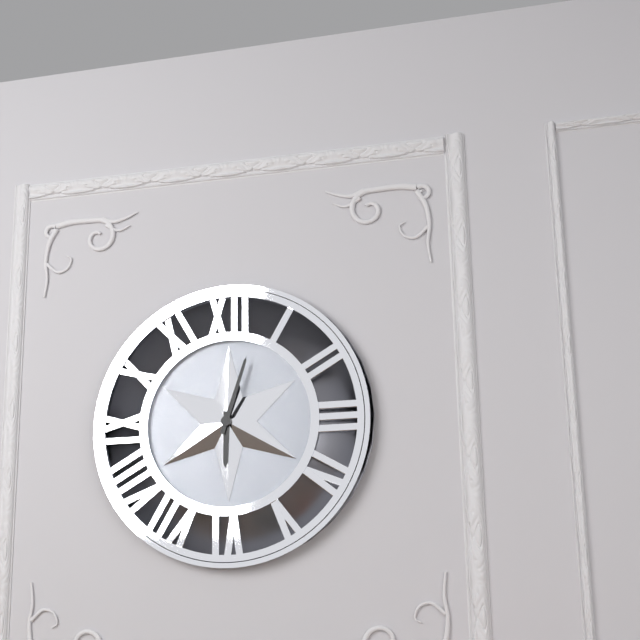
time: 6:03
